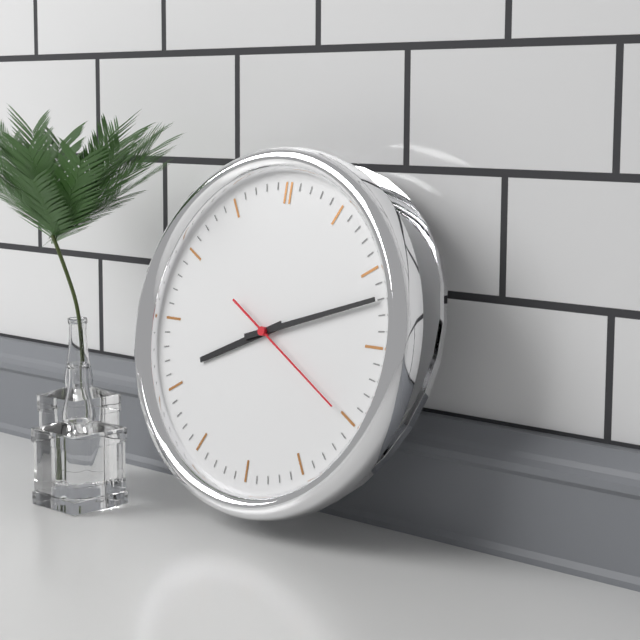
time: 8:12:20
